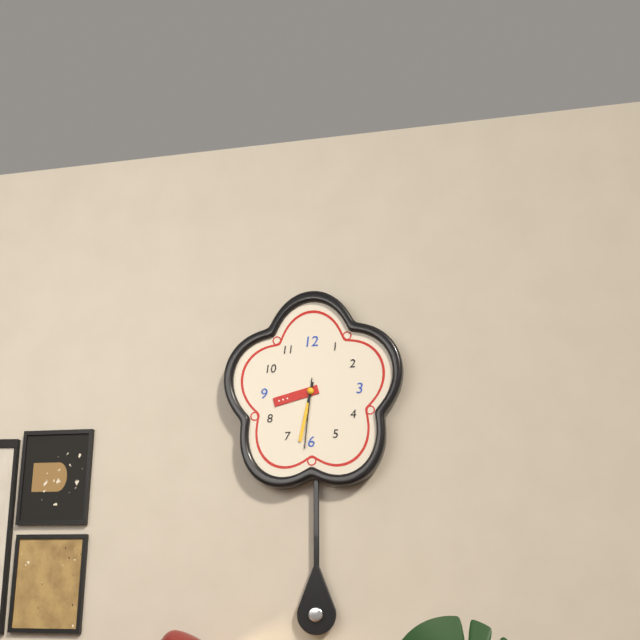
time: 8:32:31
